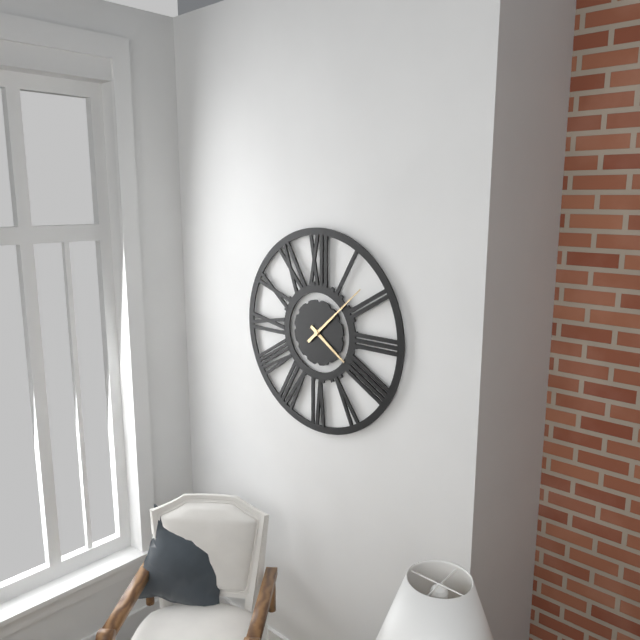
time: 4:08
